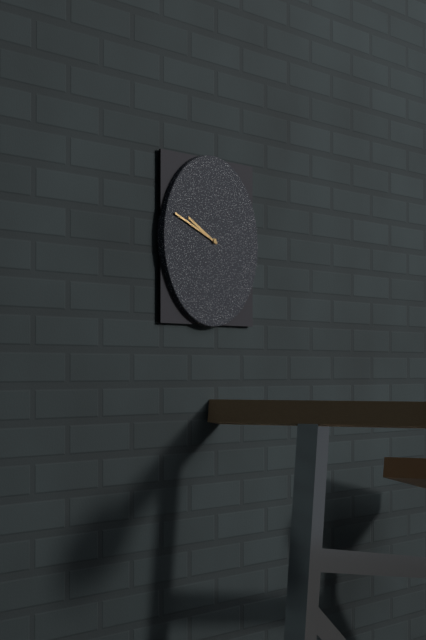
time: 9:48
